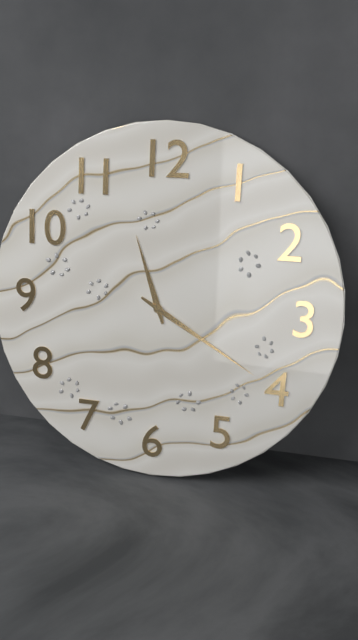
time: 11:20
